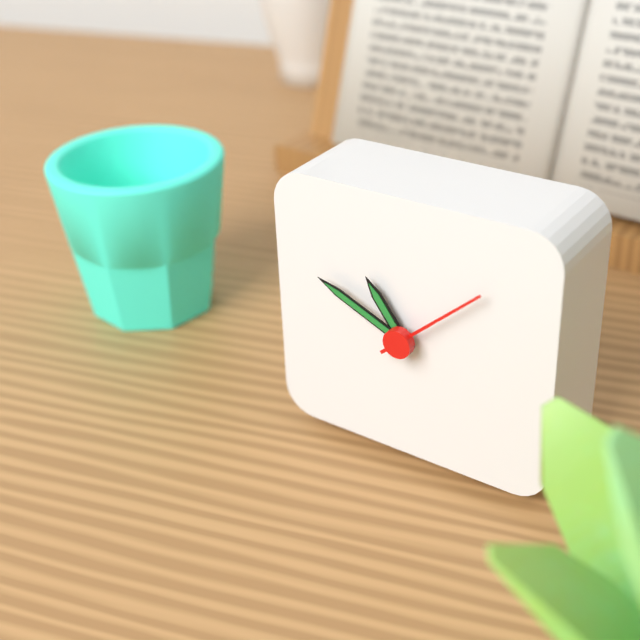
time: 10:49:08
